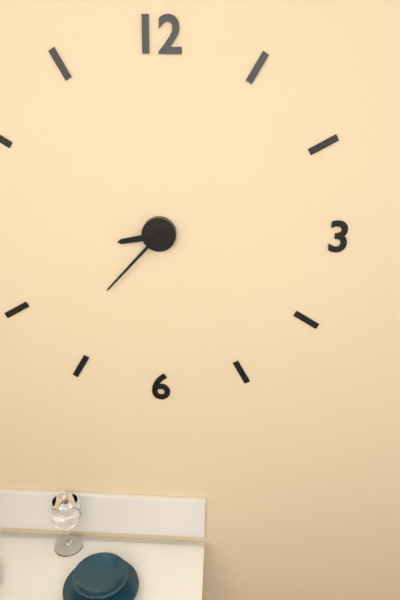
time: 8:37
